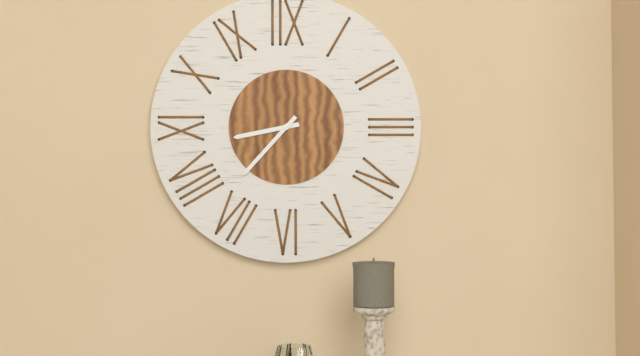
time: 8:37
